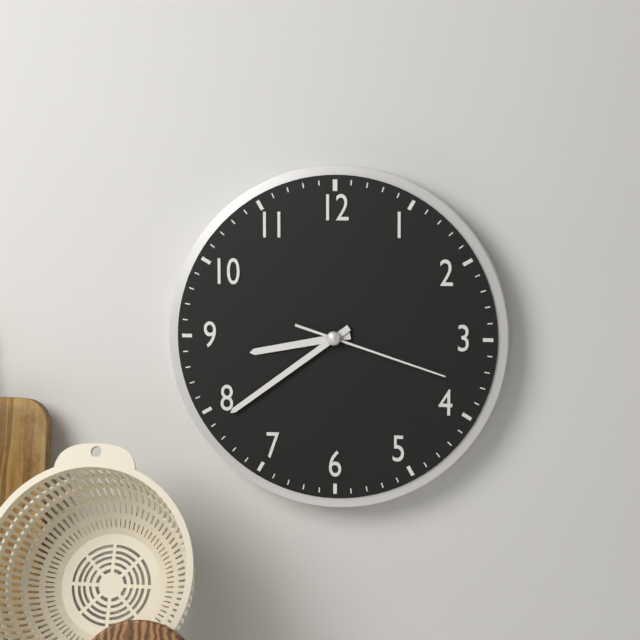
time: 8:39:18
